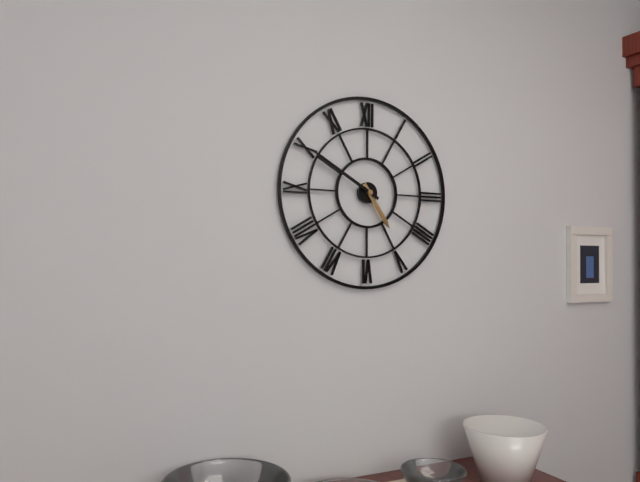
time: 4:50
